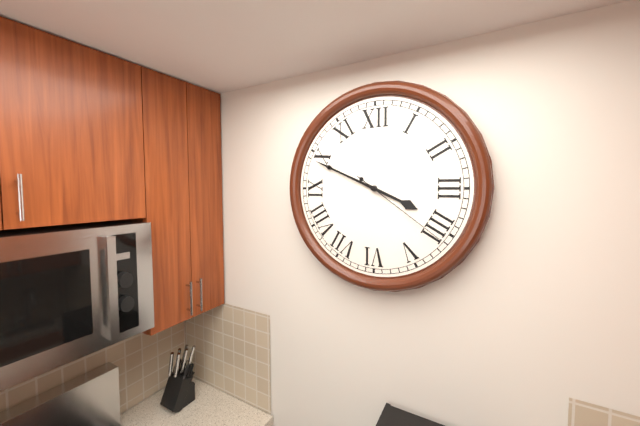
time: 3:49:21
